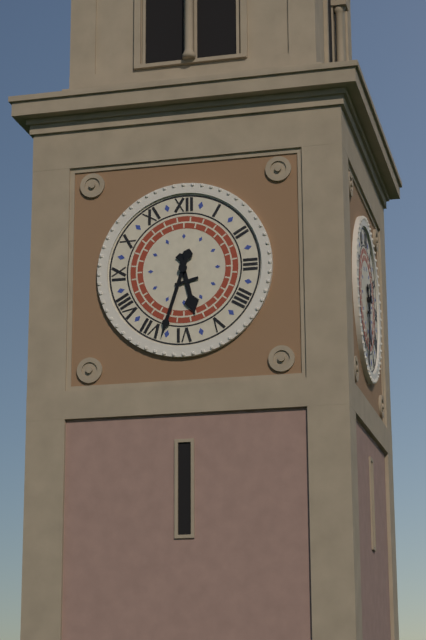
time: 5:33
